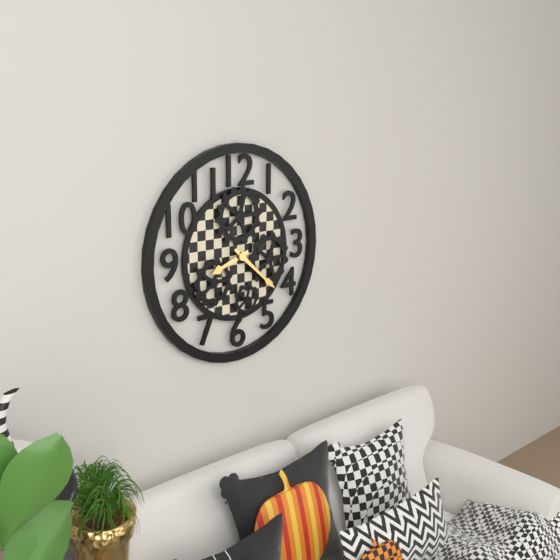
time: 8:22
